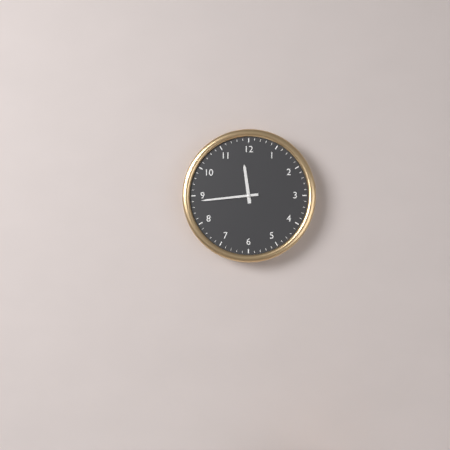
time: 11:44
